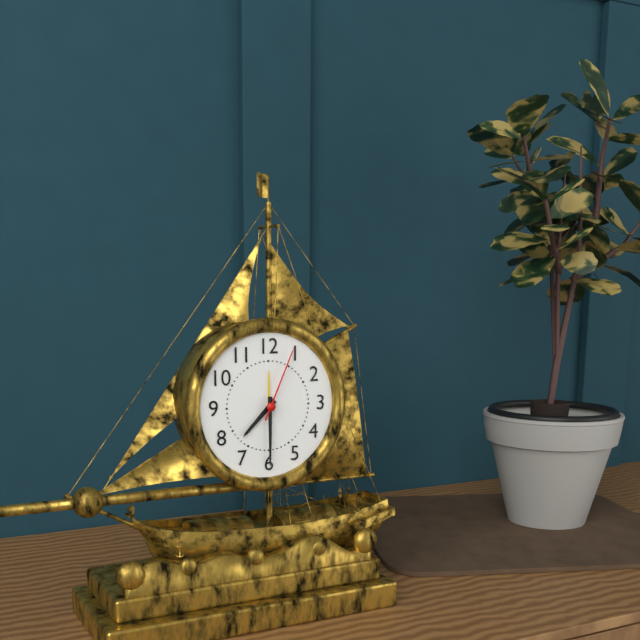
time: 7:30:04
